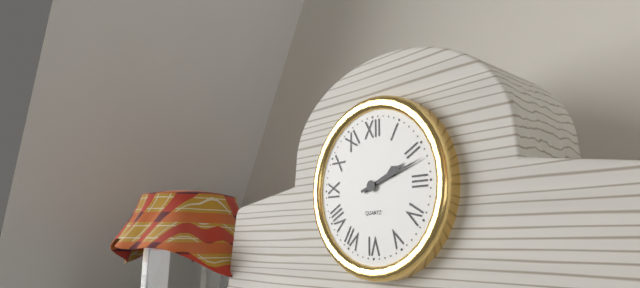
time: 2:12
